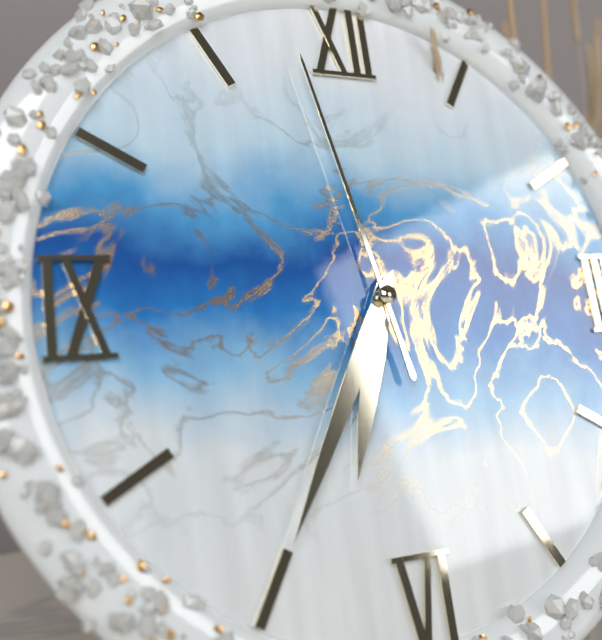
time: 6:35:58
